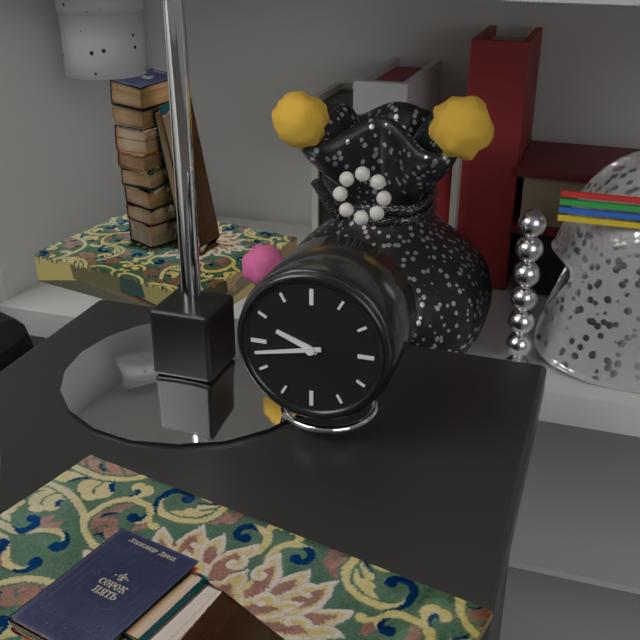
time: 9:43
